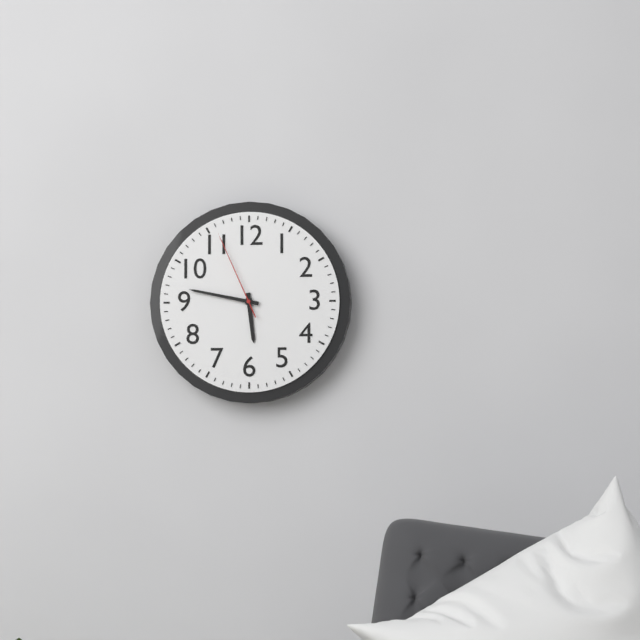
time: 5:47:56
